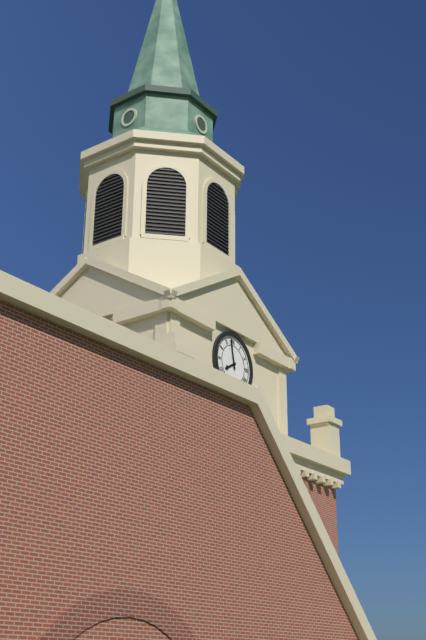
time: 7:58
